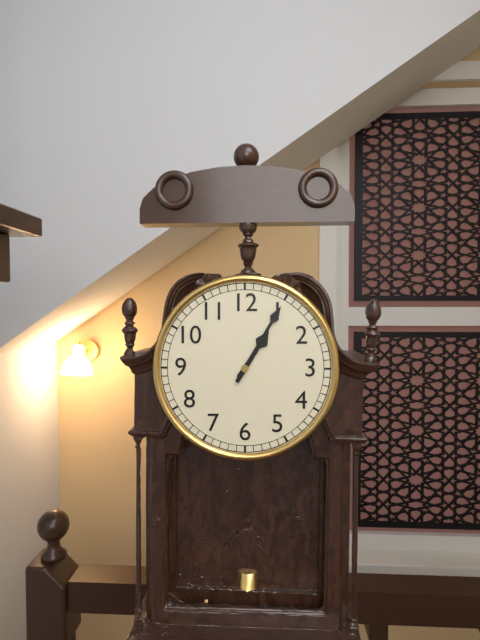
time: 1:05
